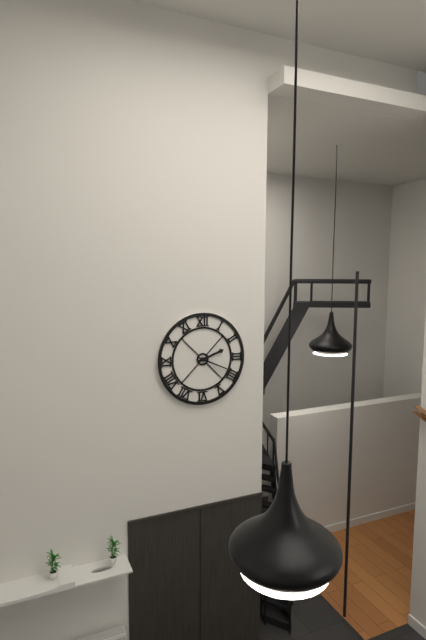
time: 2:19
